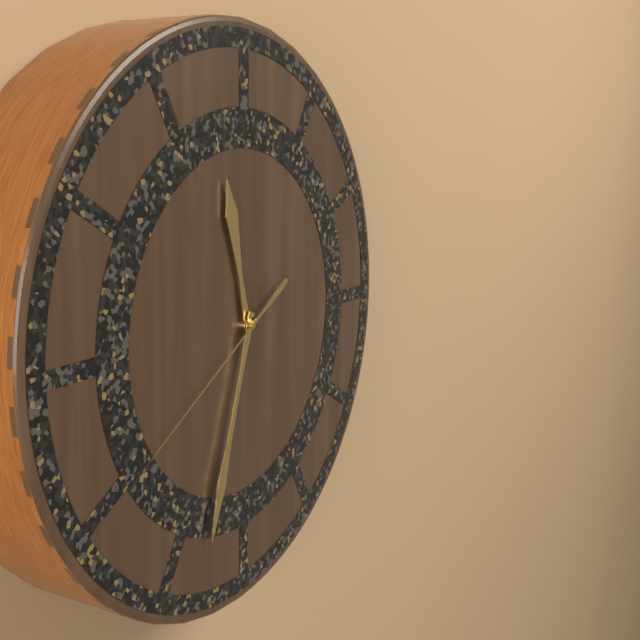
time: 11:33:40
